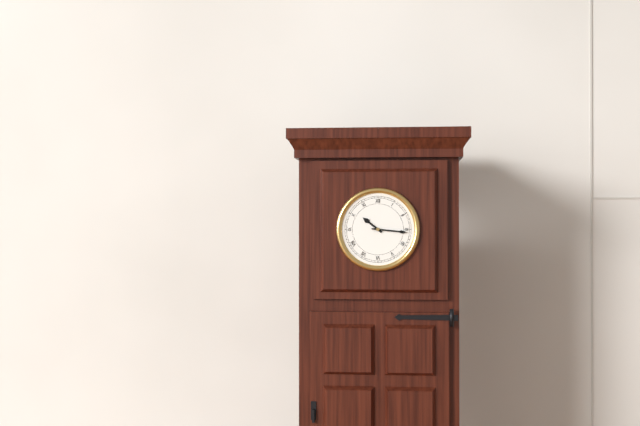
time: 10:16
